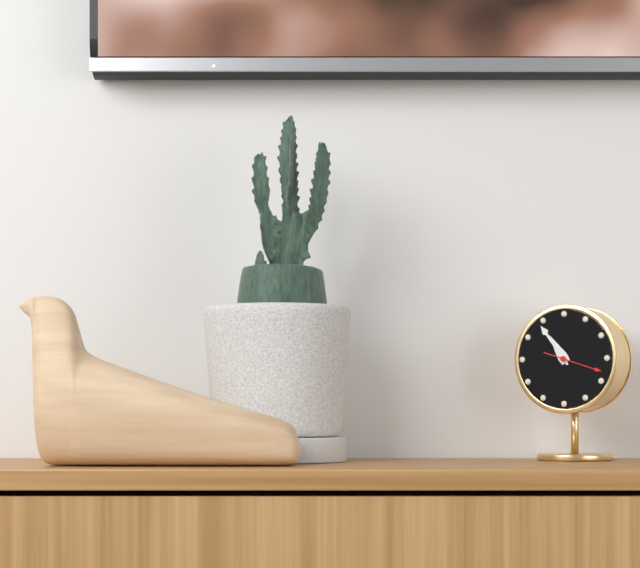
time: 10:54:18
